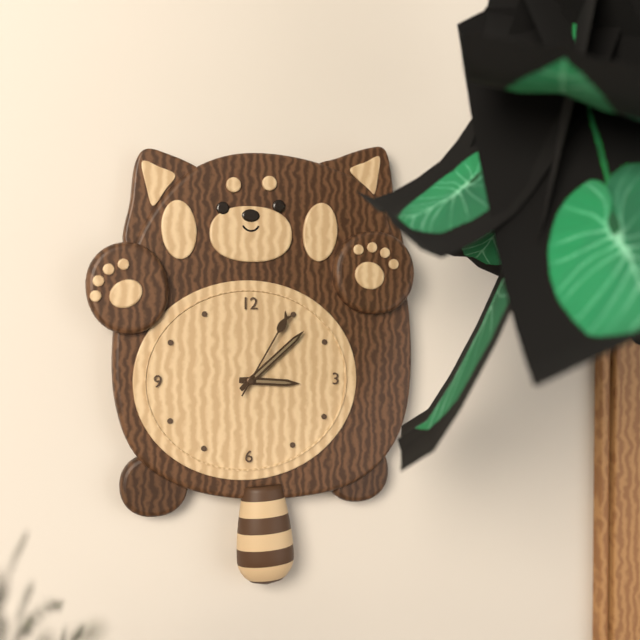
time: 3:08:05
